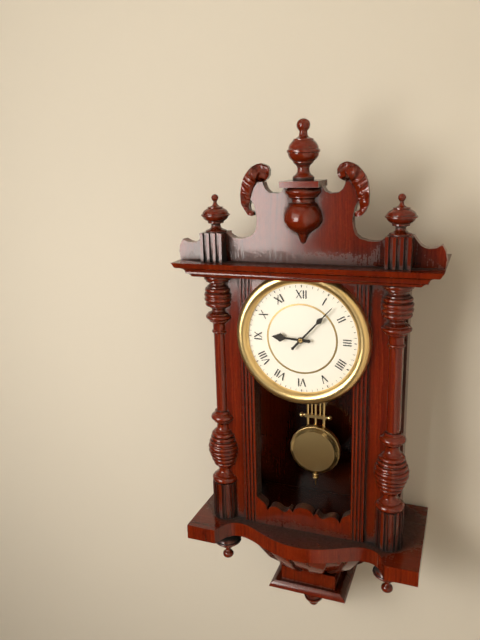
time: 9:07
